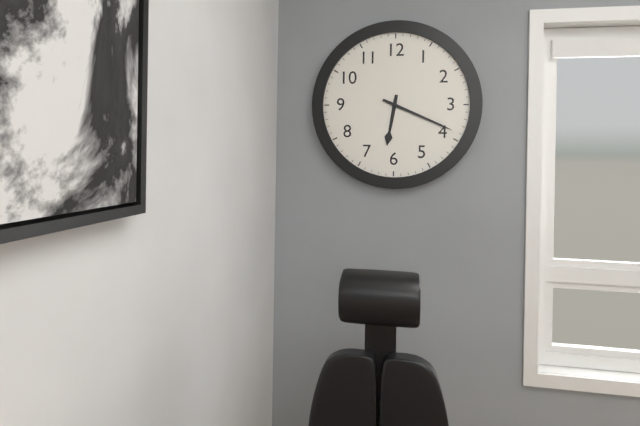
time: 6:19
